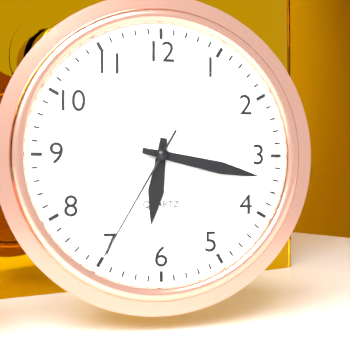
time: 6:17:35
